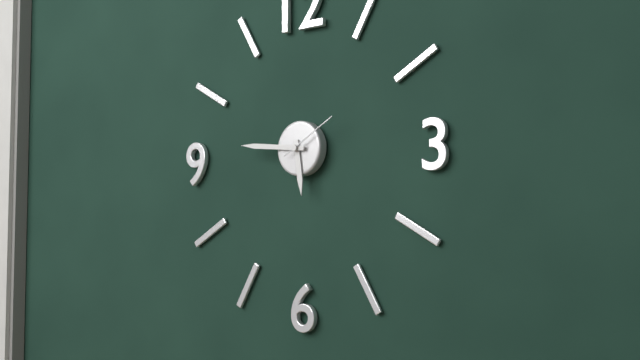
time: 5:46:10
